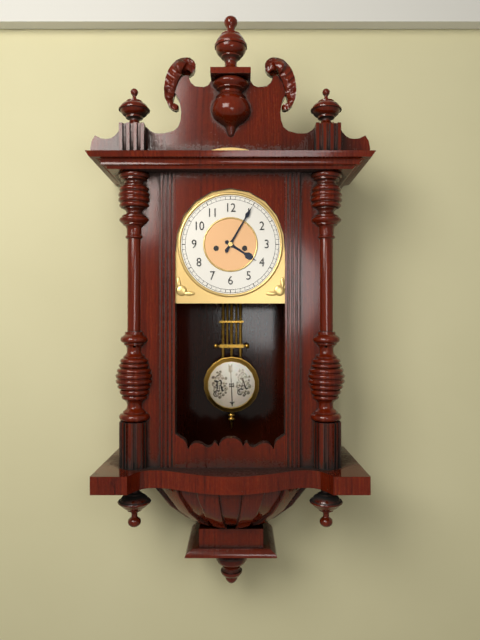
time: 4:05
